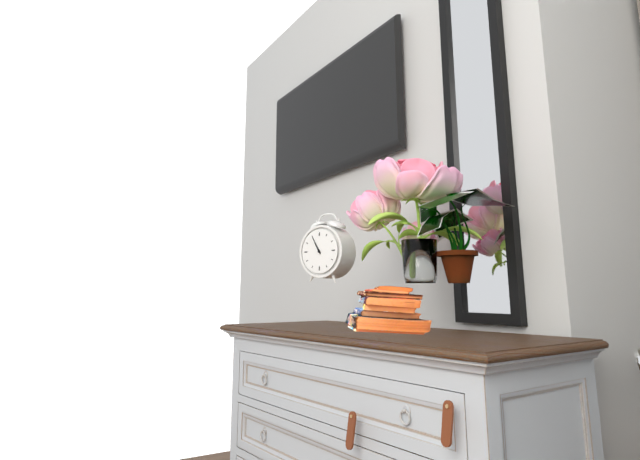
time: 10:55
